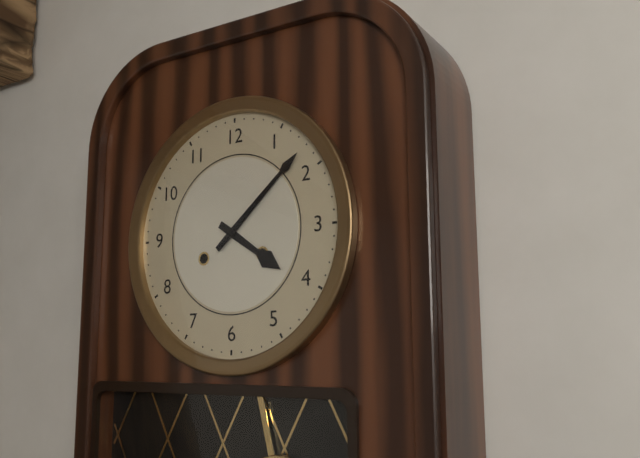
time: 4:08
